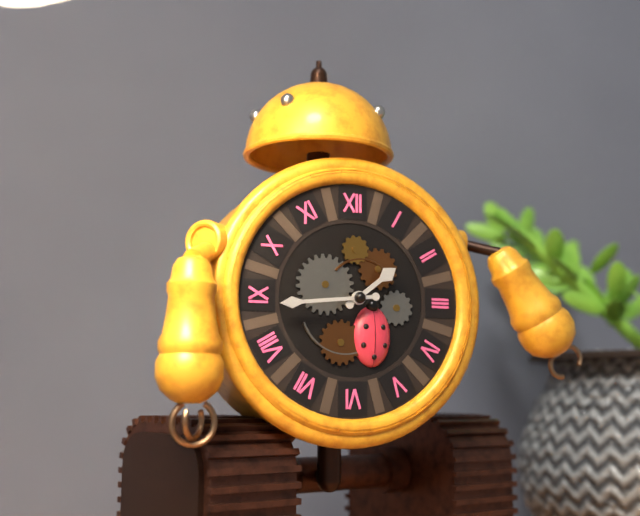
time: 1:44
